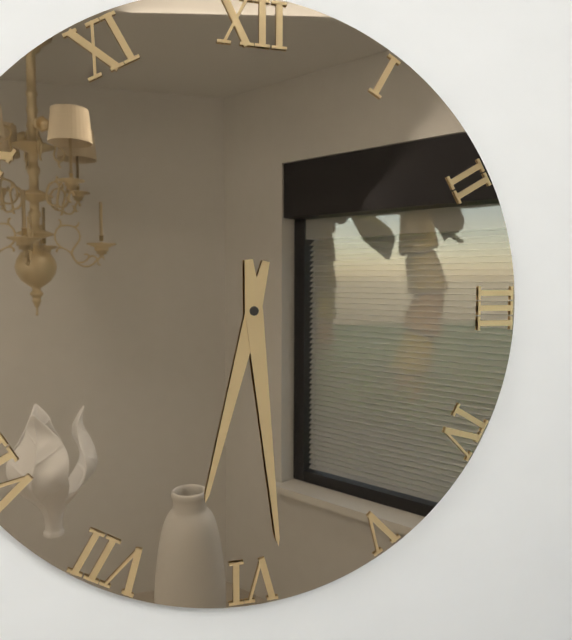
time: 6:29
